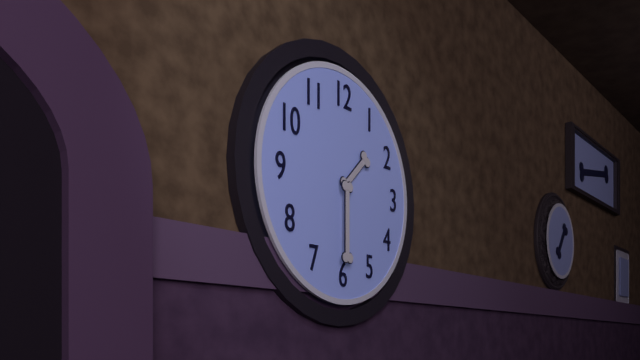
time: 1:30
